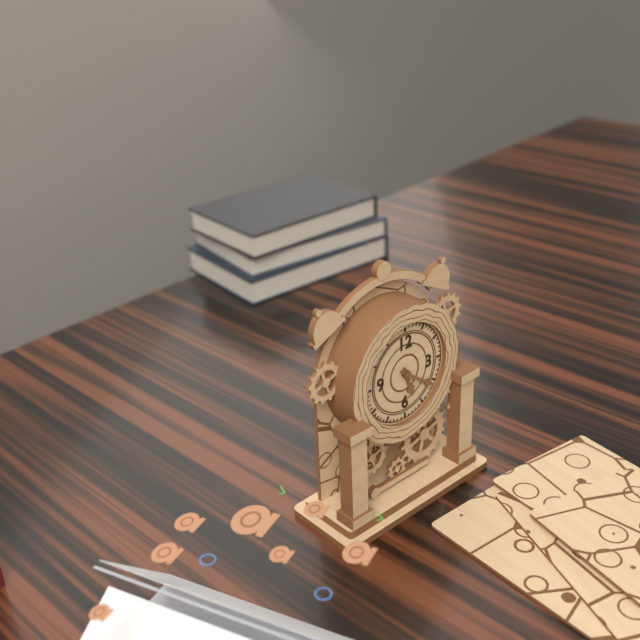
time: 5:21
